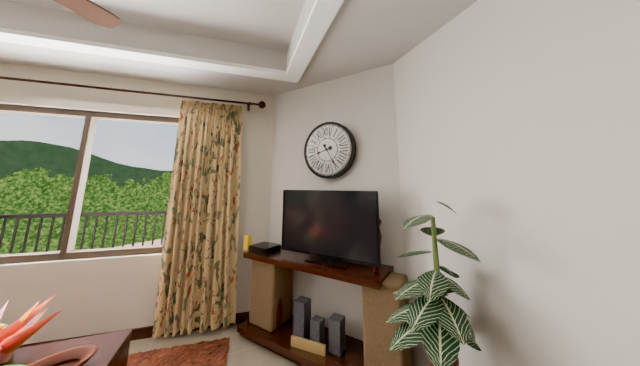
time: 8:25
